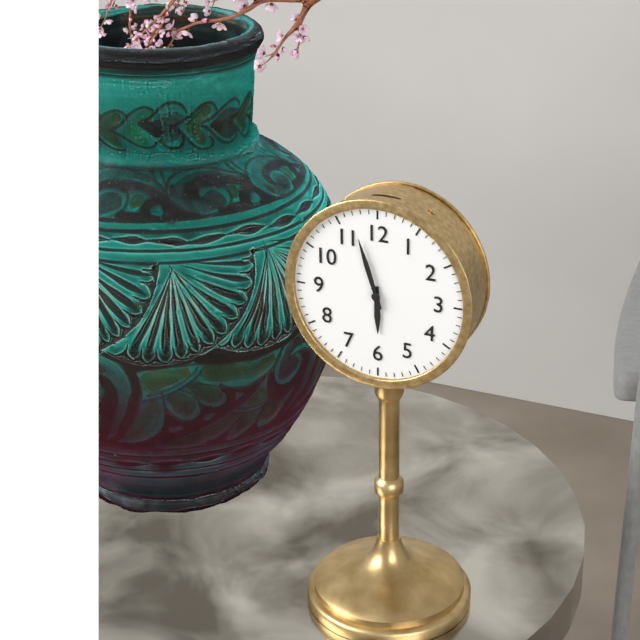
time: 5:57
